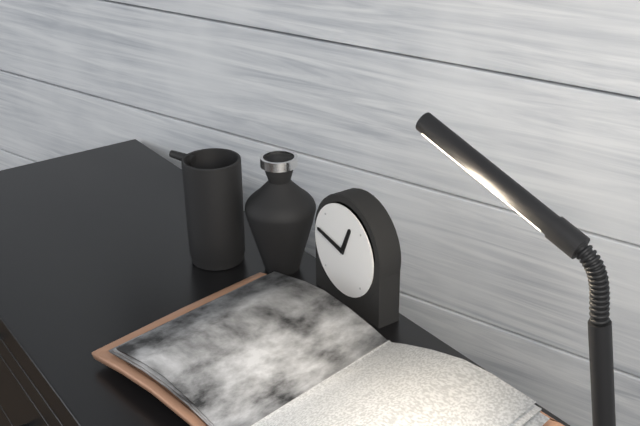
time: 12:47
